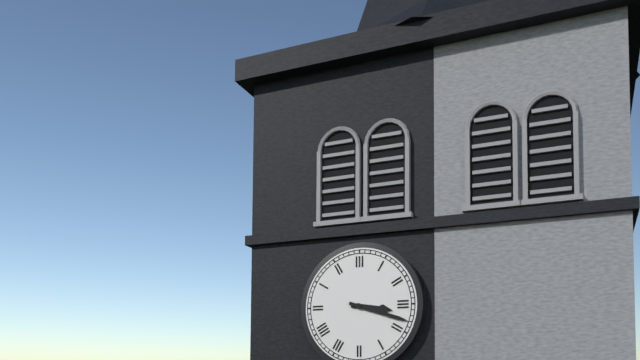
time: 3:18
